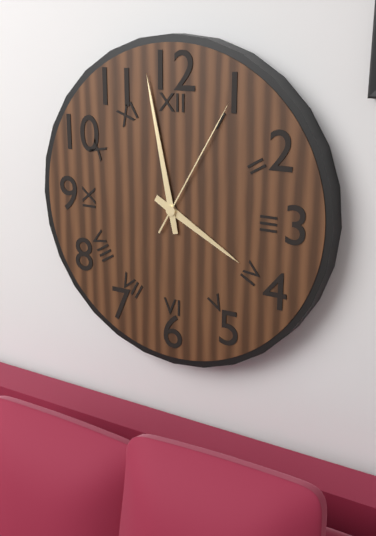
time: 3:58:05
